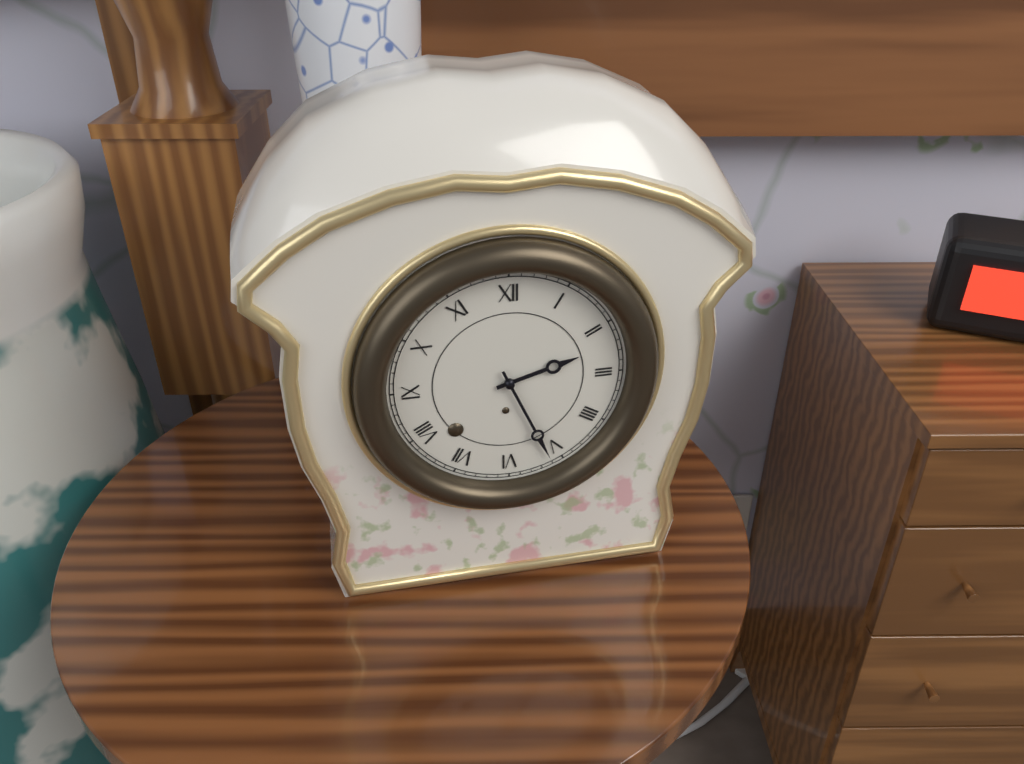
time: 2:26
